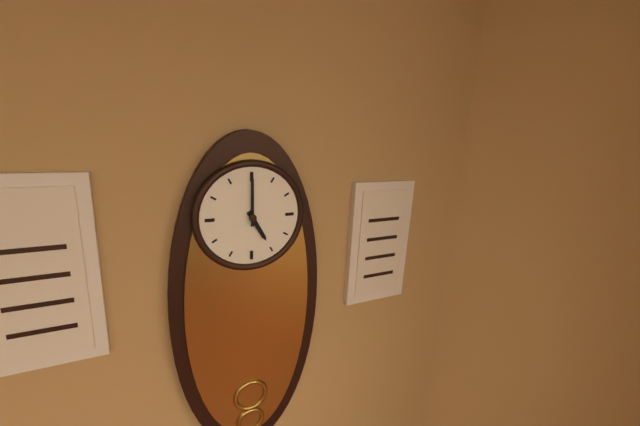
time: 5:00
